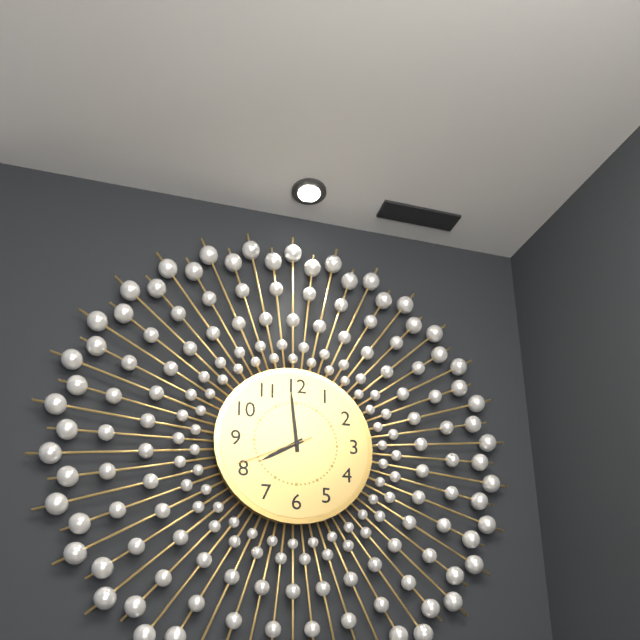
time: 7:59:41
